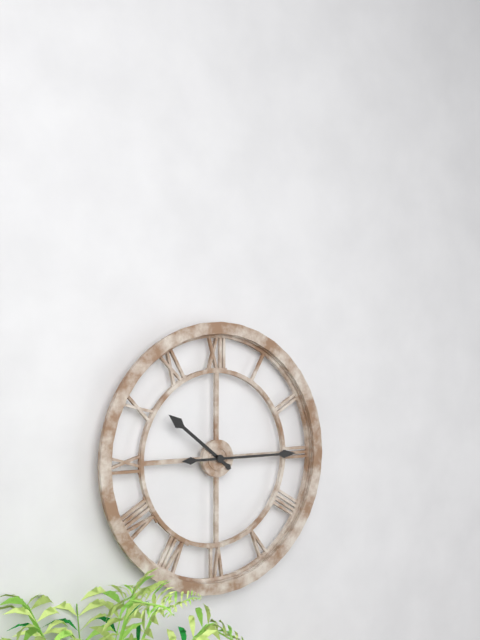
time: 10:15
